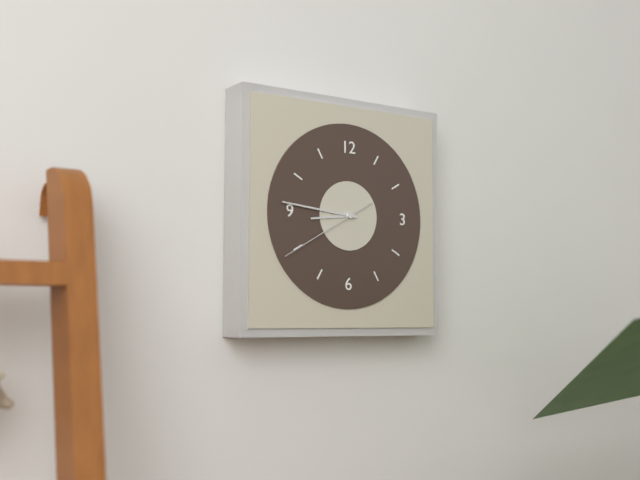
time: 8:46:40
